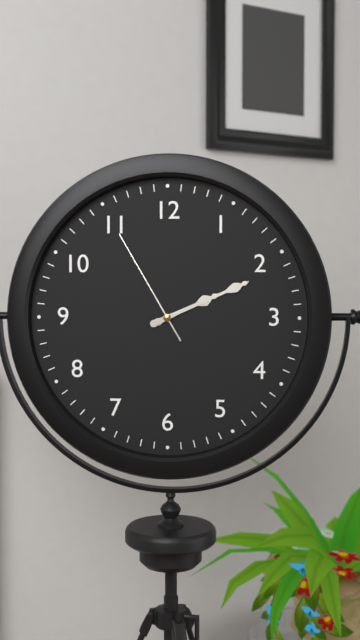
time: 2:11:55
